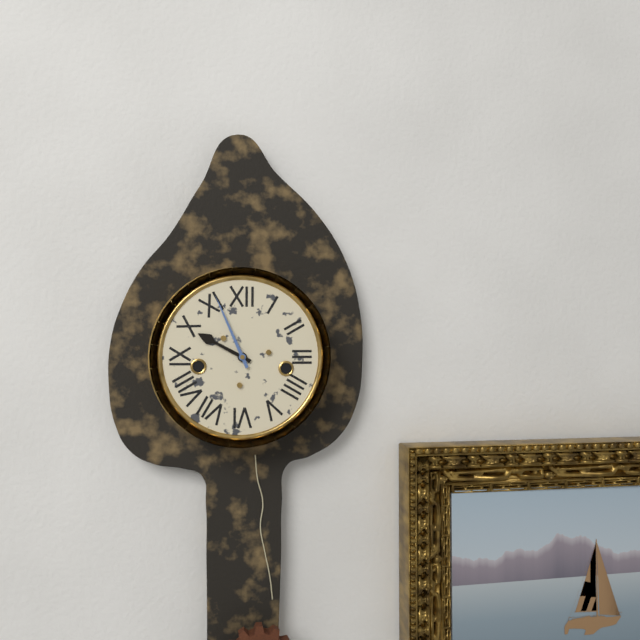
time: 9:56
